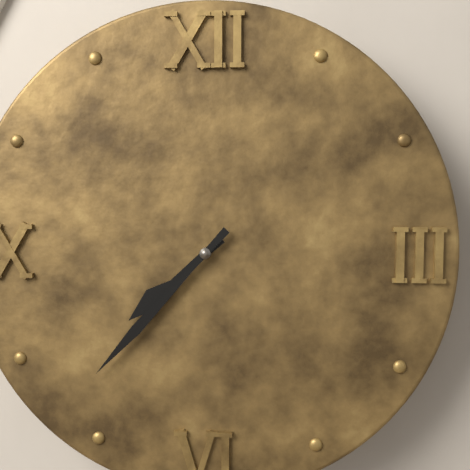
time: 7:37
